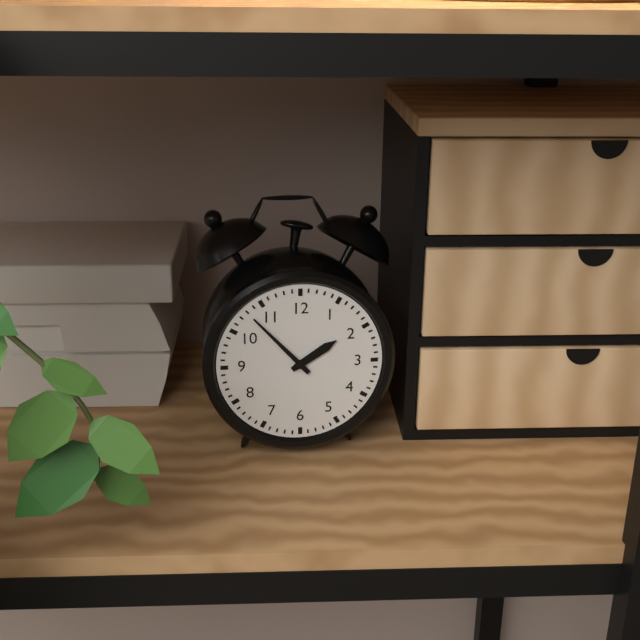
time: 1:53
